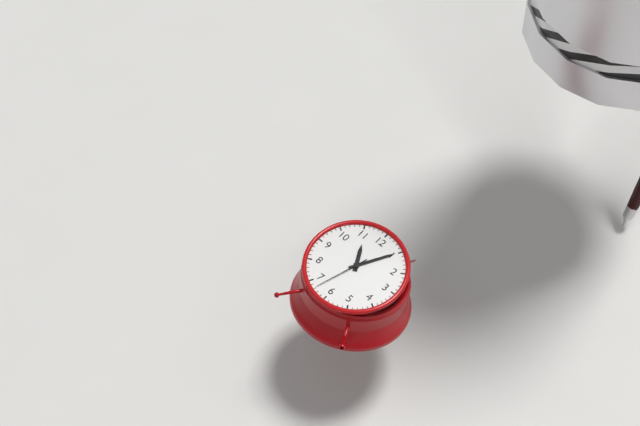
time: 11:05:33
